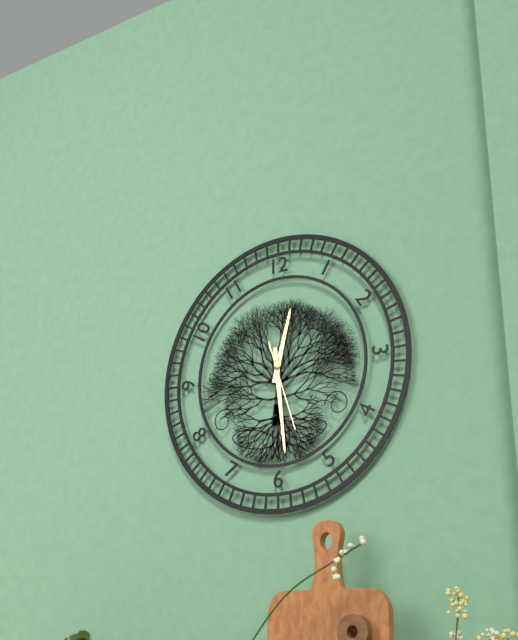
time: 12:29:27
